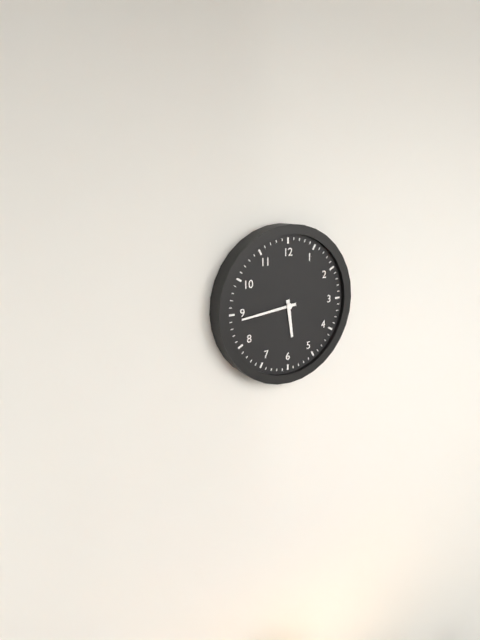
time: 5:44
